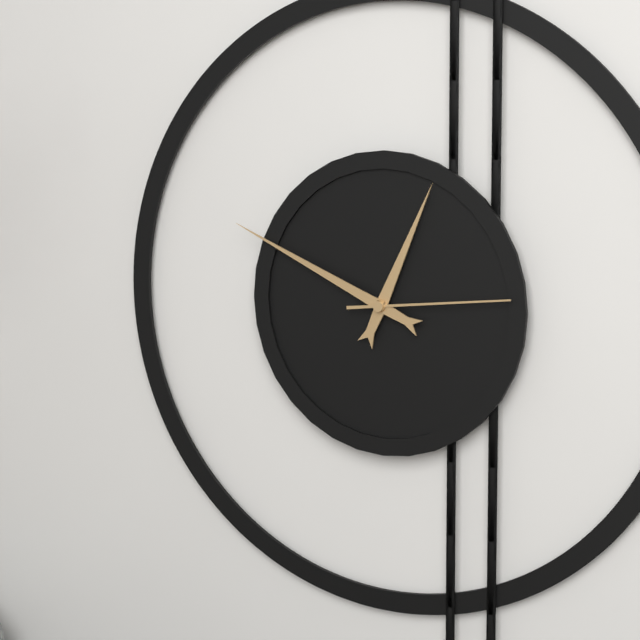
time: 12:49:14
